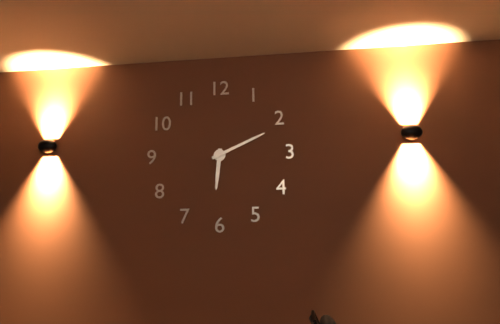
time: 6:11
